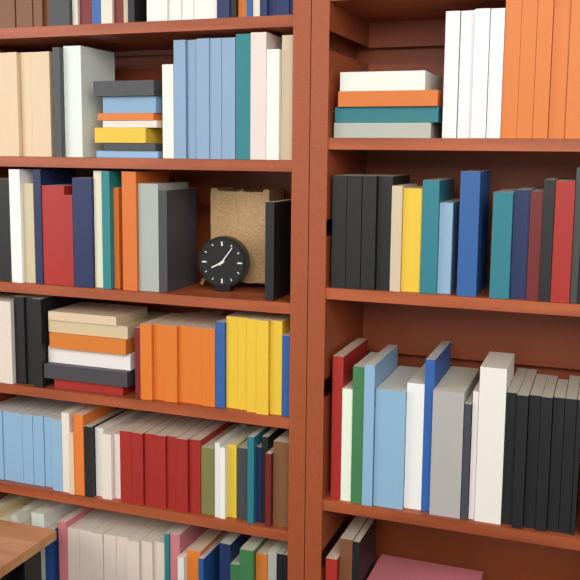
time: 8:06
